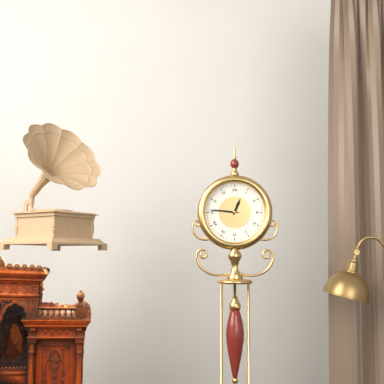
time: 12:46
